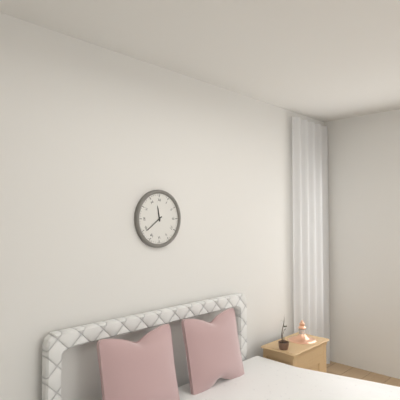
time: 11:39
